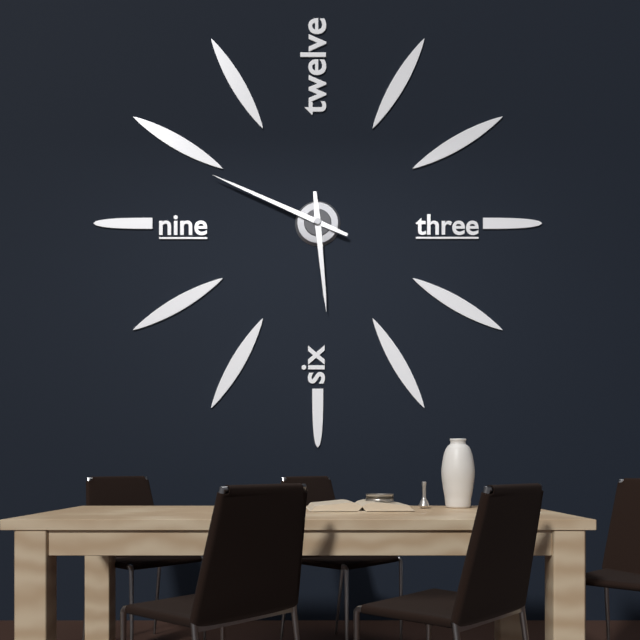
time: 5:49
